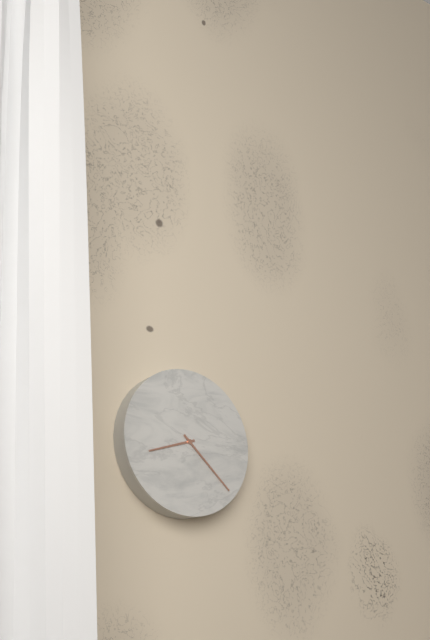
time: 8:22
